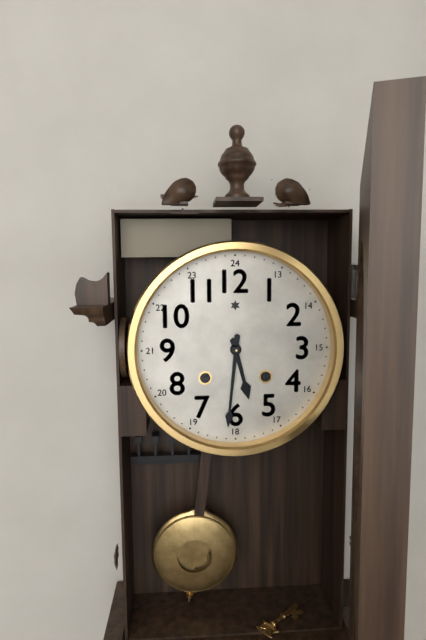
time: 5:31
